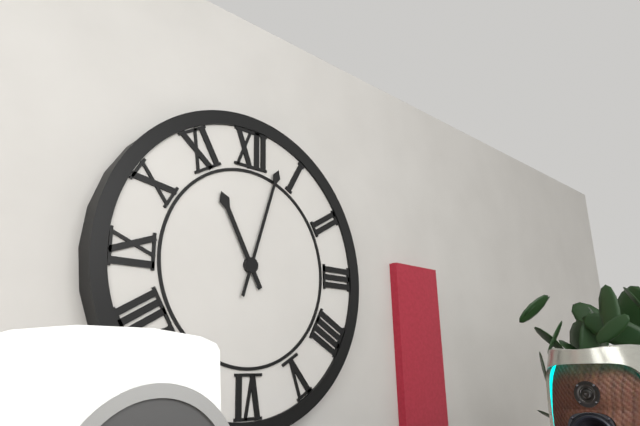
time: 11:03
